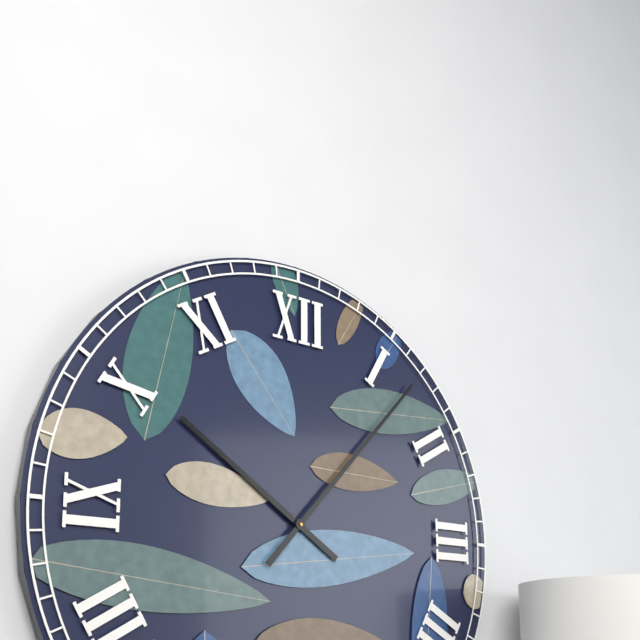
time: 10:07
